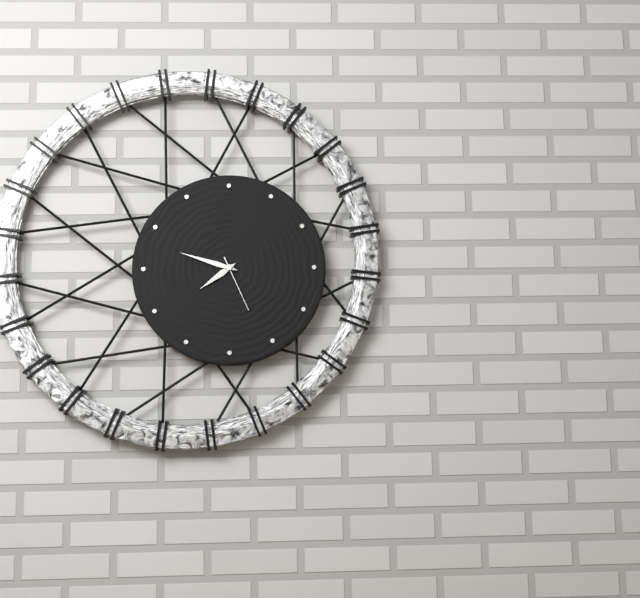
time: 7:48:26
